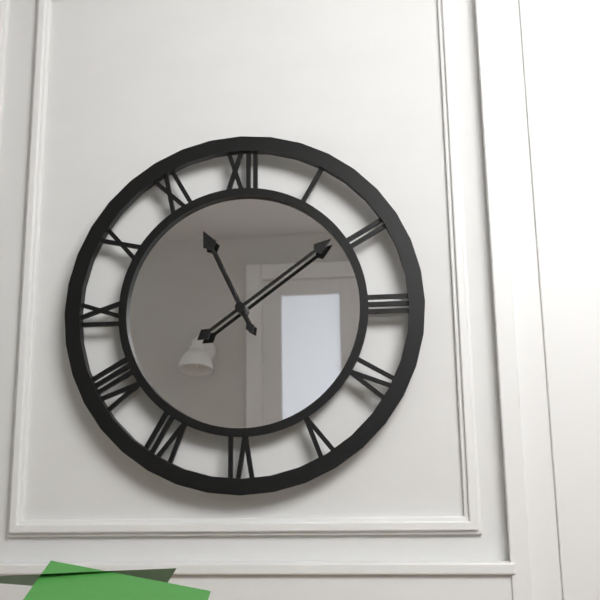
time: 11:09
